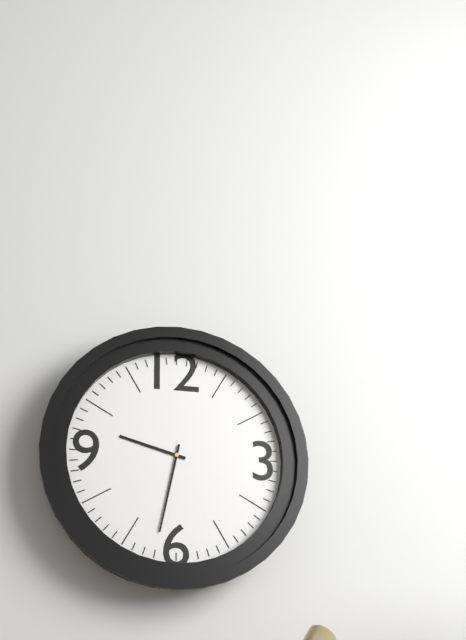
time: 9:32
